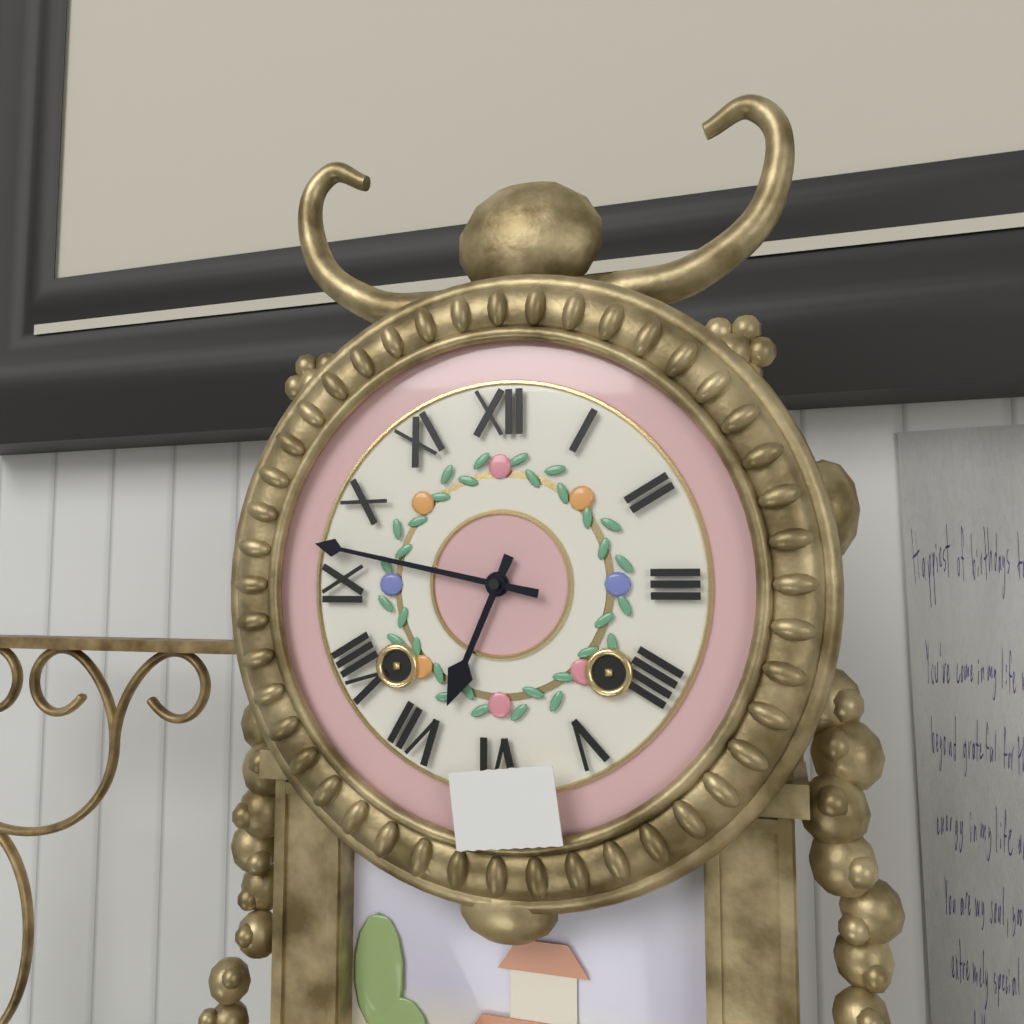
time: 6:47
